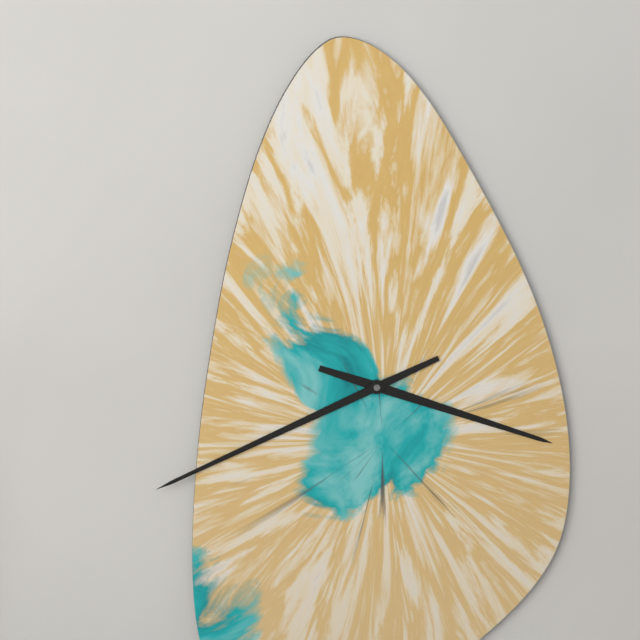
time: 3:41
